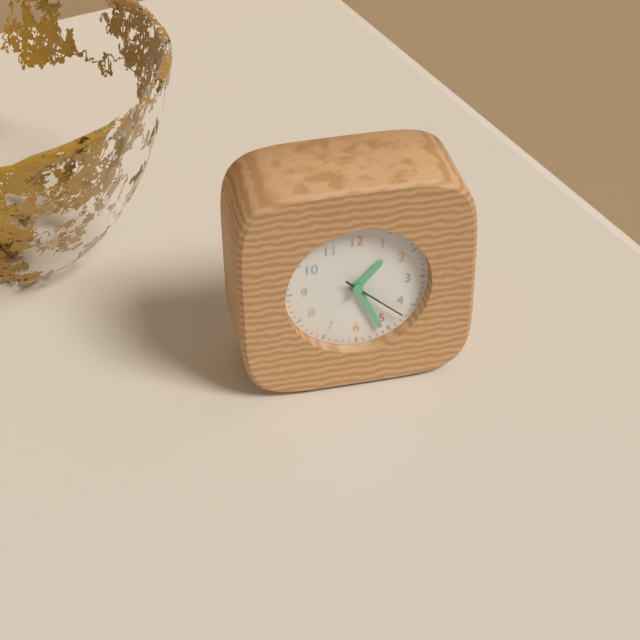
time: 1:26:22
